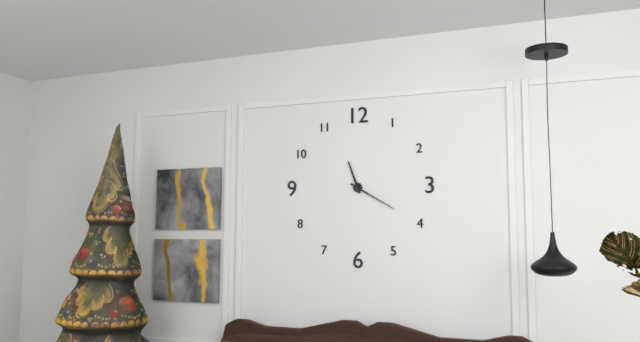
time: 11:20
